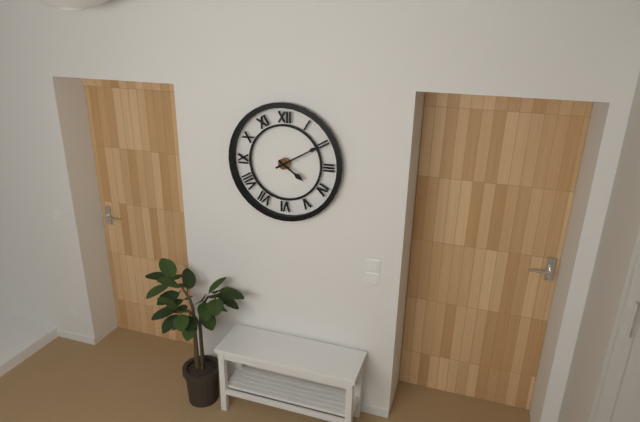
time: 4:10
